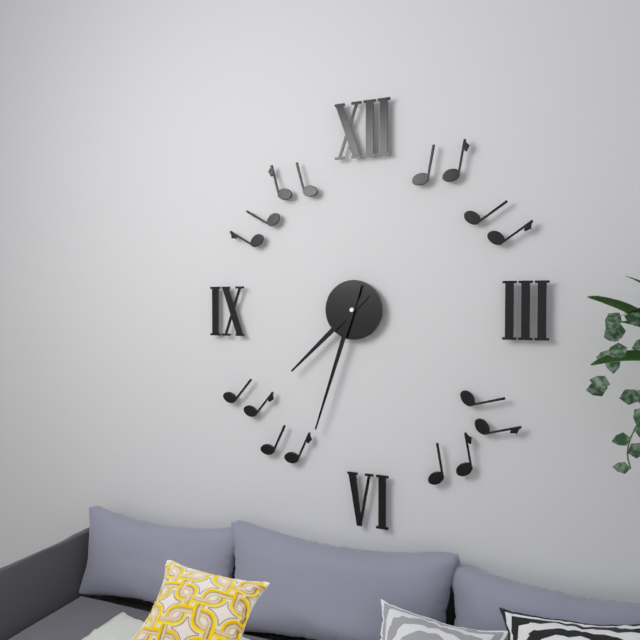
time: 7:33
